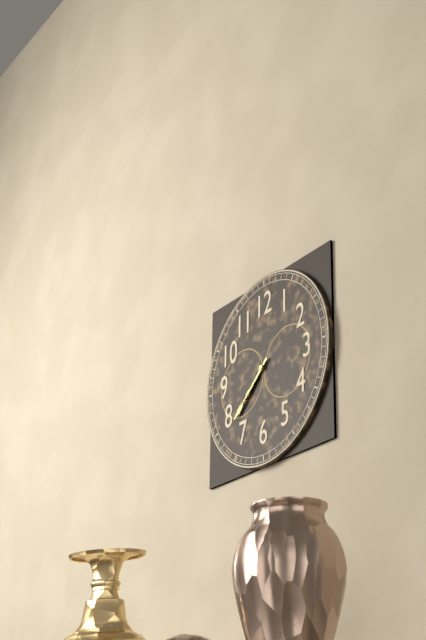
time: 7:38
